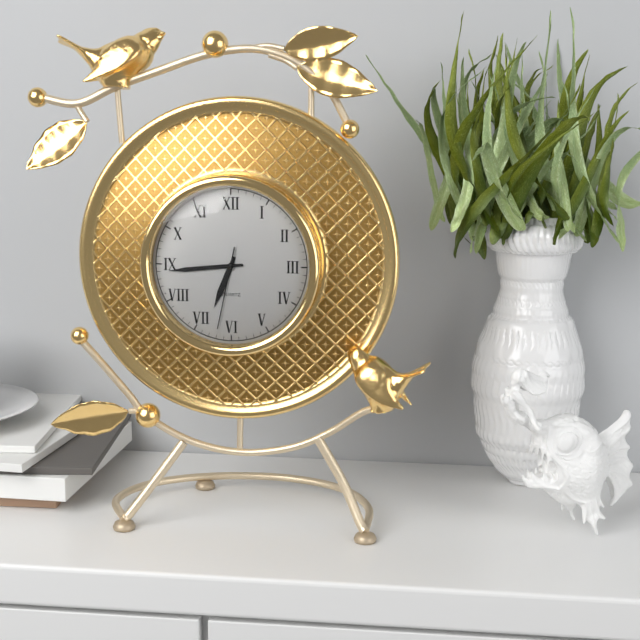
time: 6:44:32
